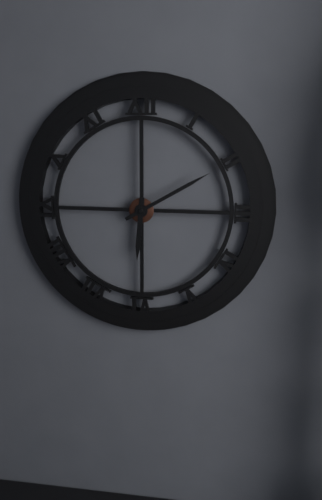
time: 6:10
